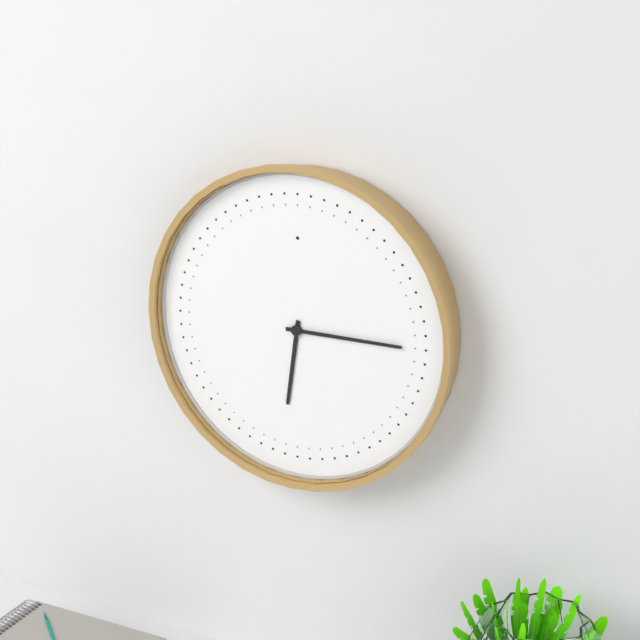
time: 6:15
